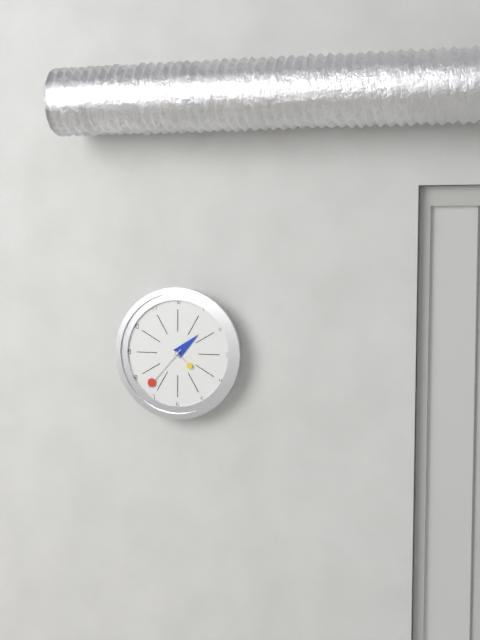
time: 1:37
